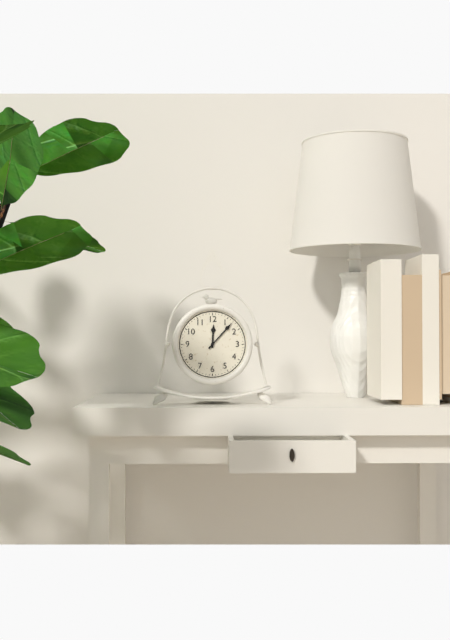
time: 12:07
